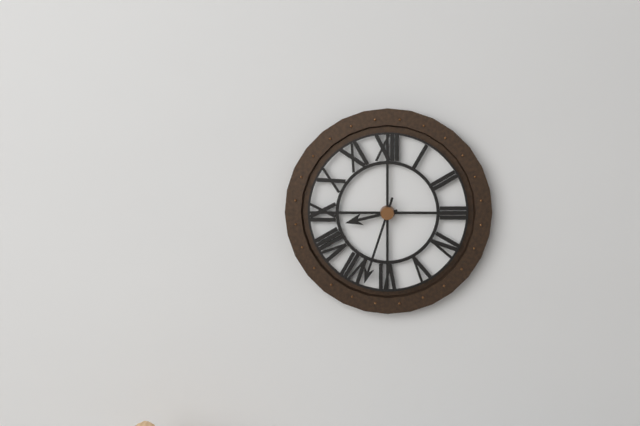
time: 8:33
